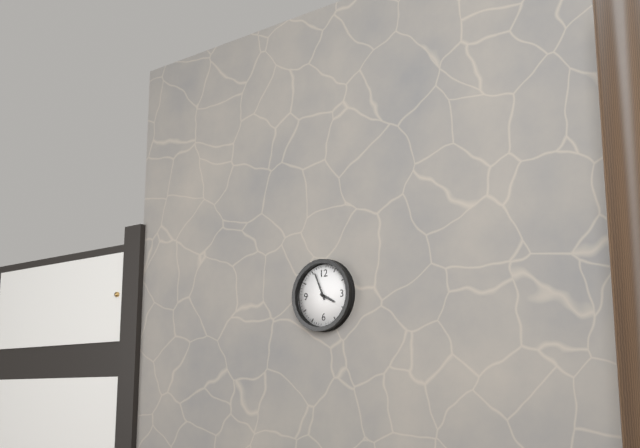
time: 3:56
